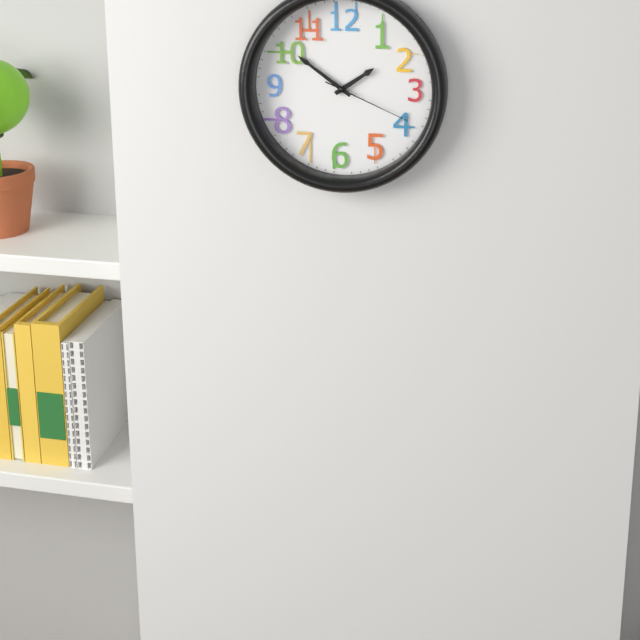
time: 1:51:19
